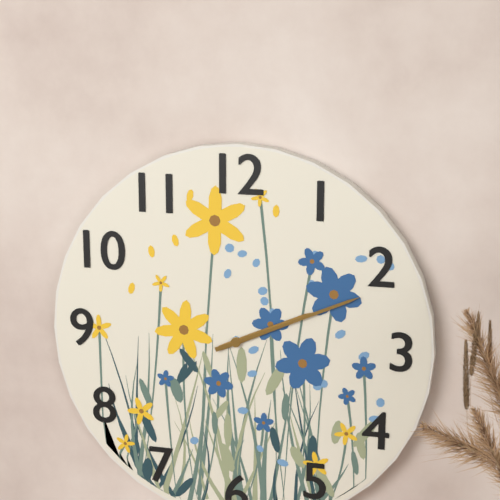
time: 2:11
